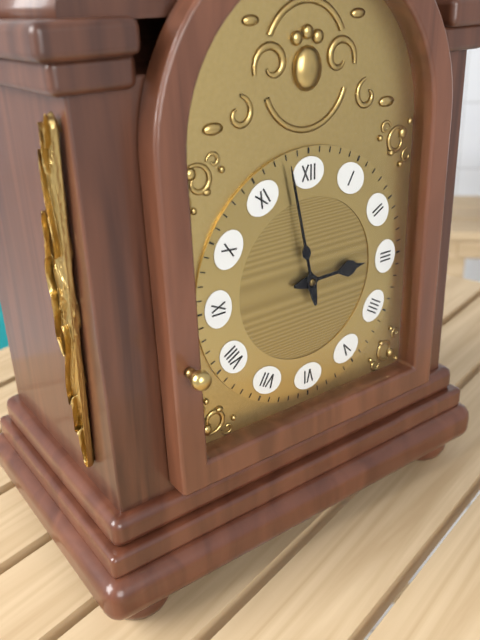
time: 2:58
